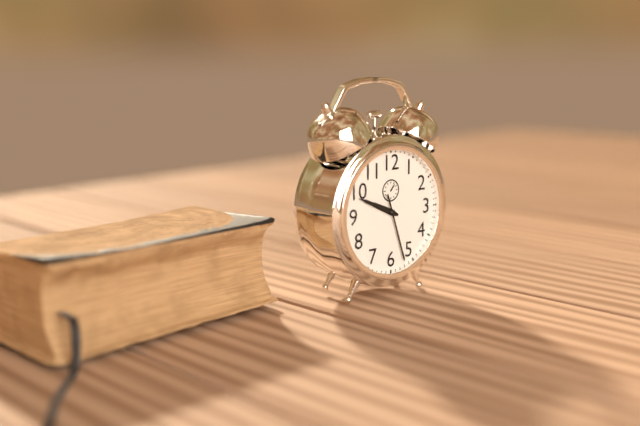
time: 9:49:27
